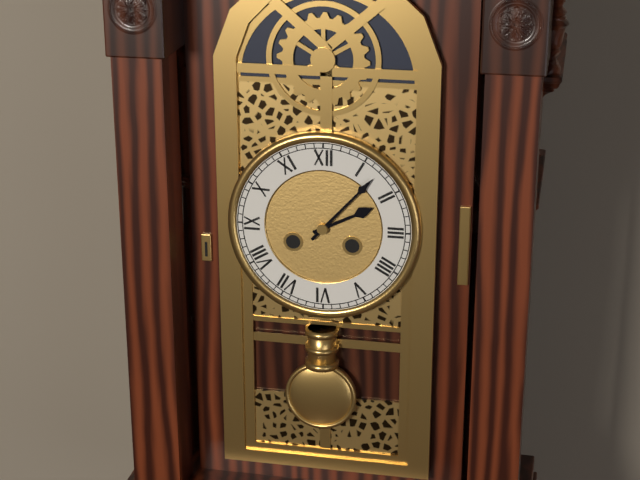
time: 2:07
